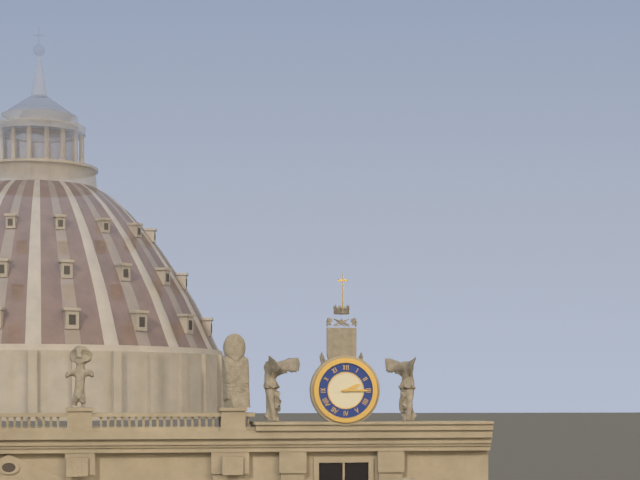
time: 2:15
